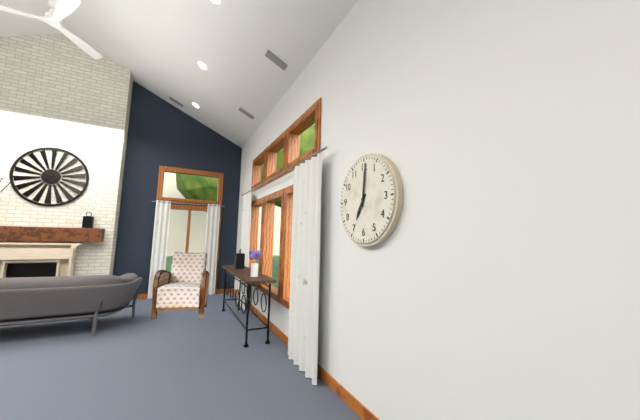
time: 7:01
